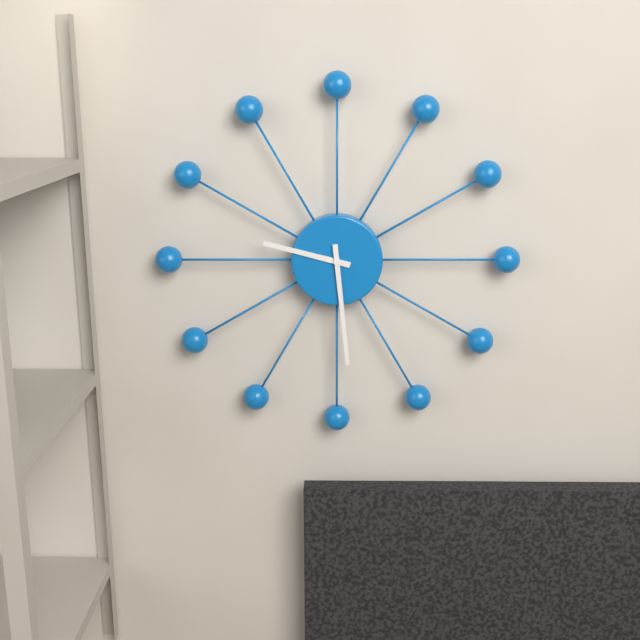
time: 9:29
